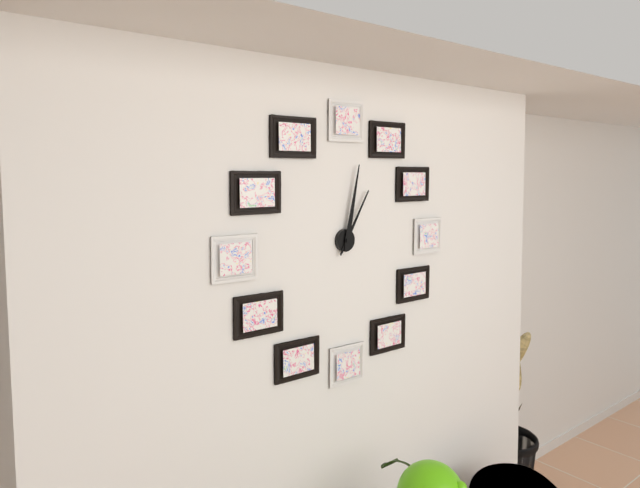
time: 1:02
